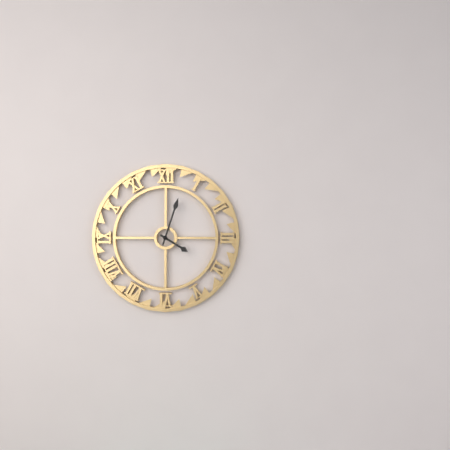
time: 4:03
